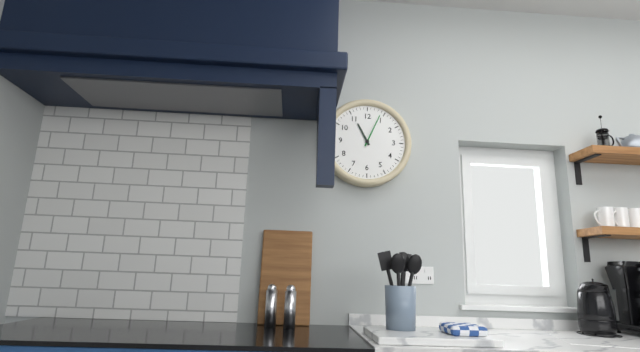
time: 11:04
